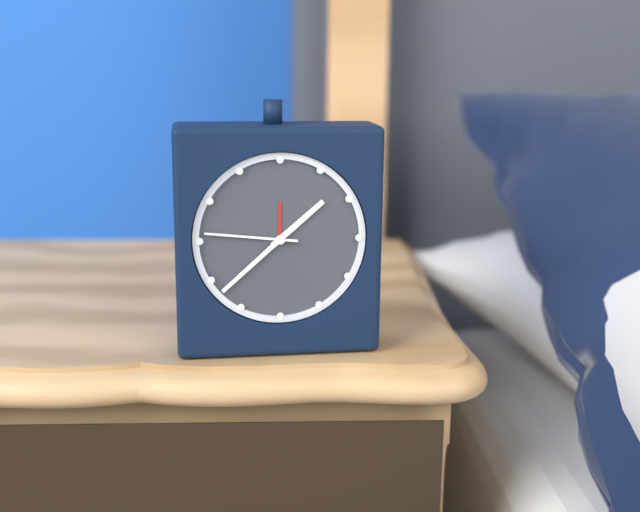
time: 1:38:46
